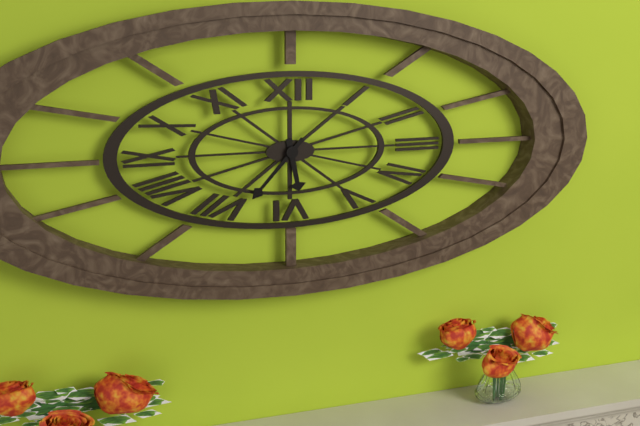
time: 5:37
